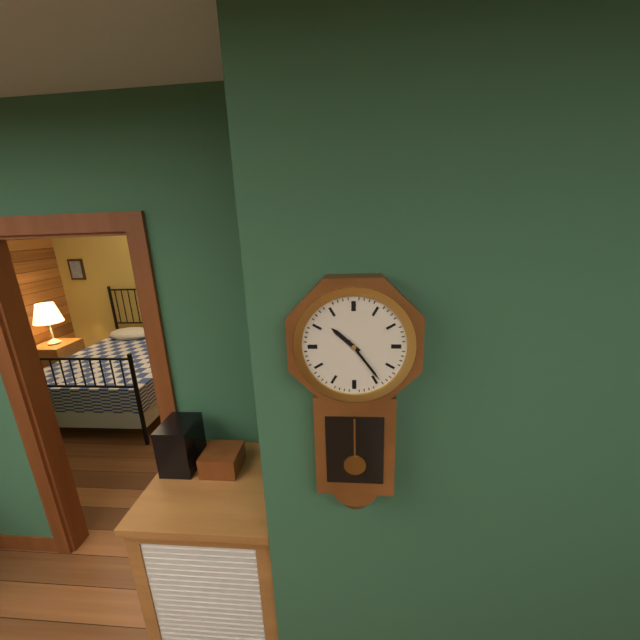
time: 10:24
